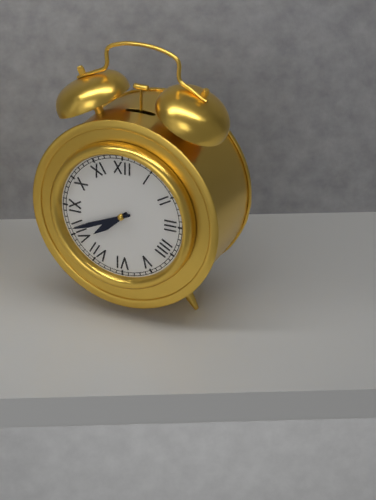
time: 7:41
